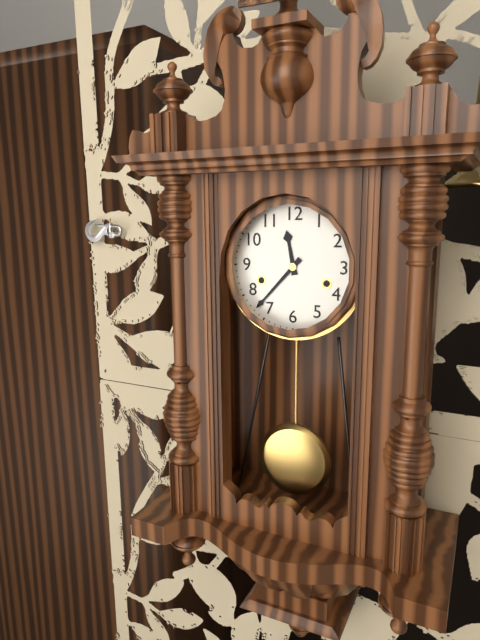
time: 11:37
